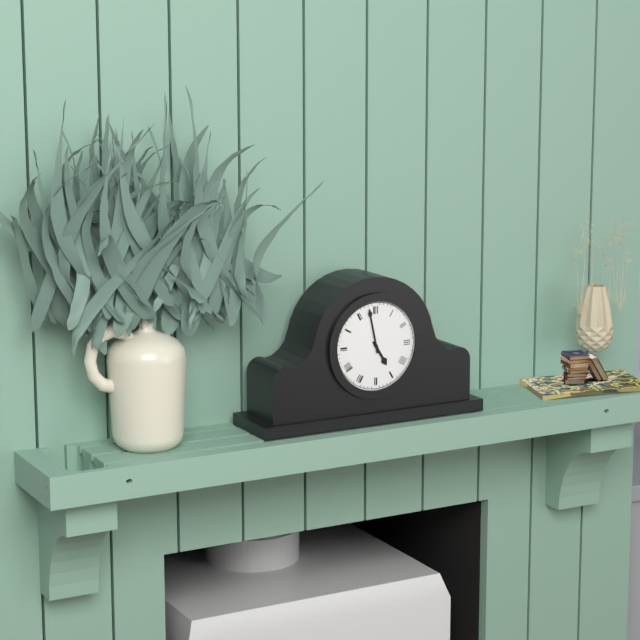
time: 4:58
